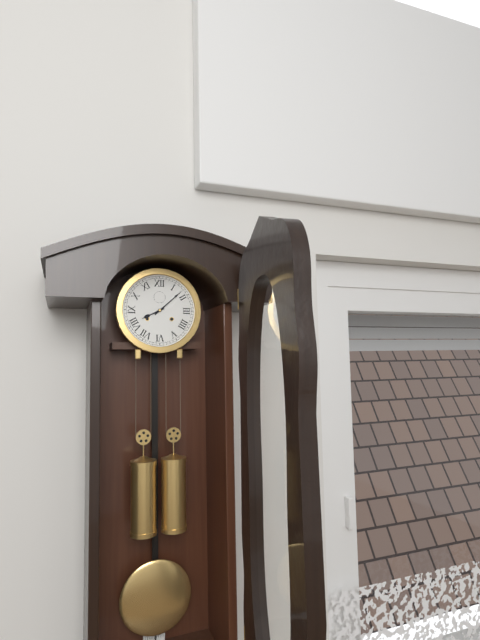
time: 8:08
